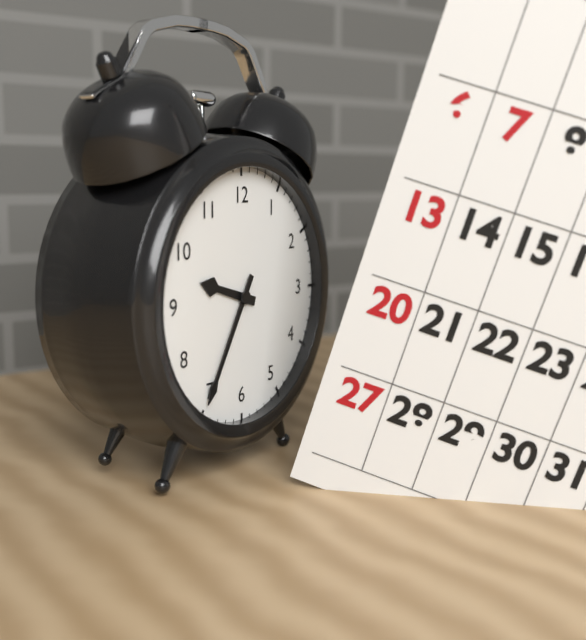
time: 9:35
